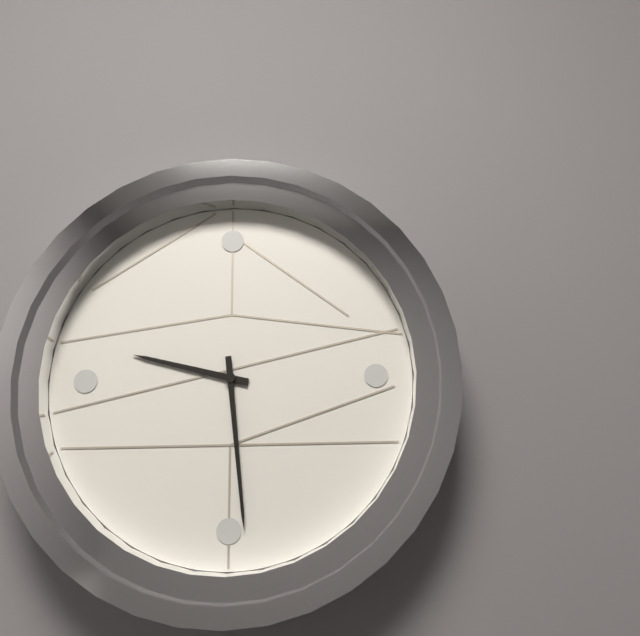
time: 9:29
